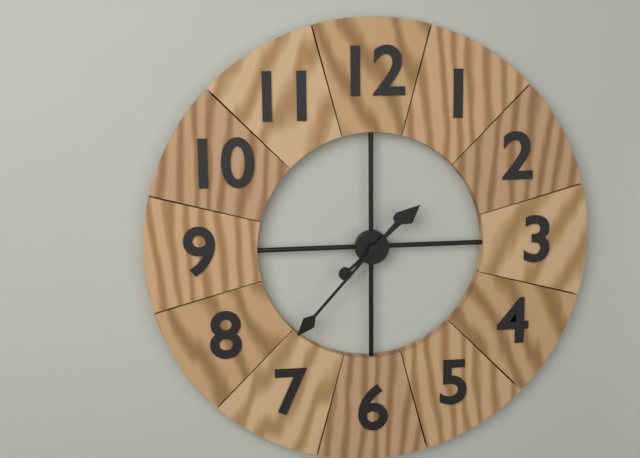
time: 1:37
